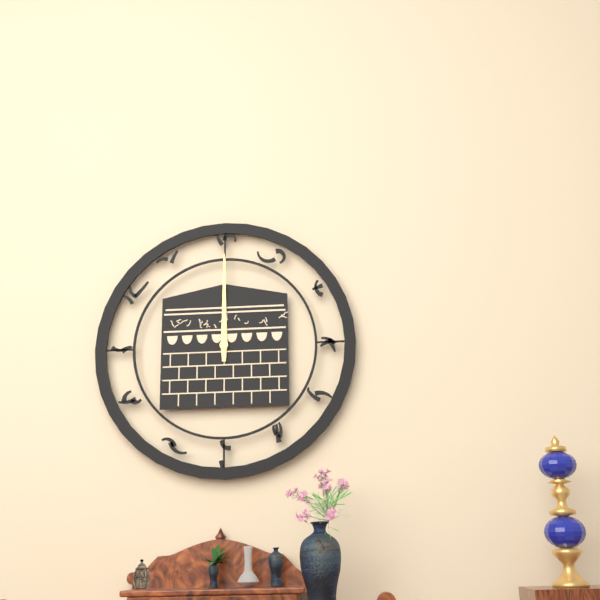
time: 12:00
